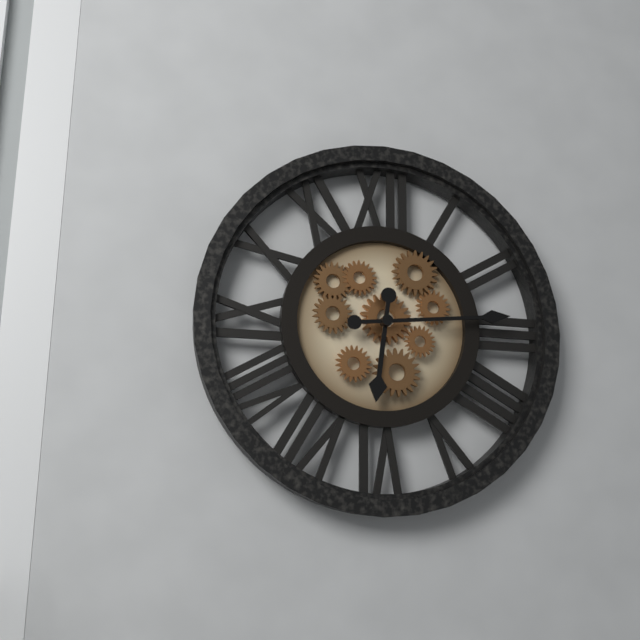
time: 6:14
